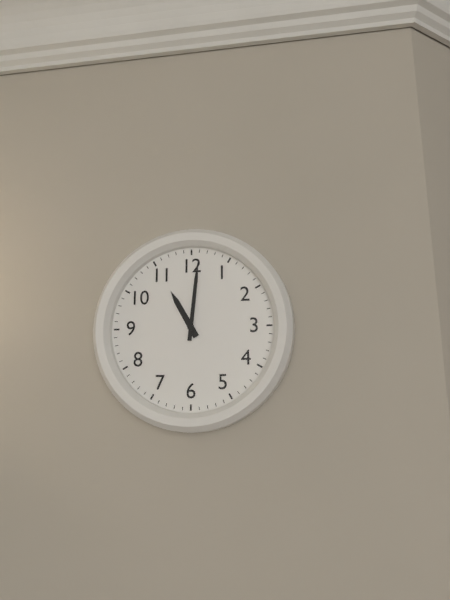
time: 11:01
